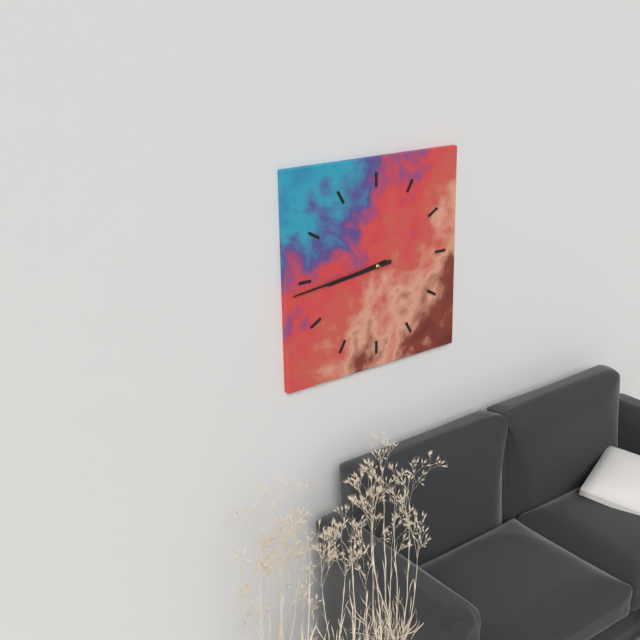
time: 8:44
